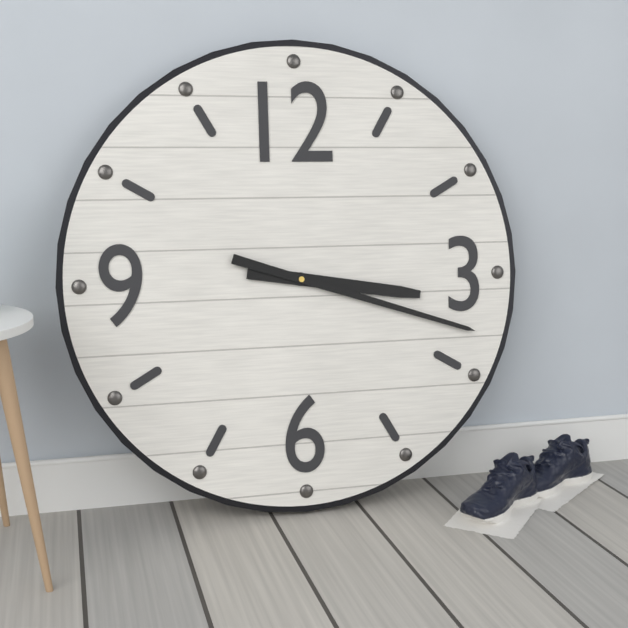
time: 3:18
